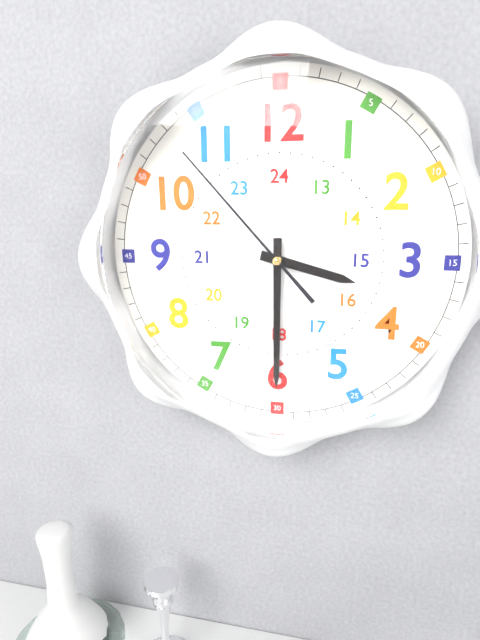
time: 3:30:53
